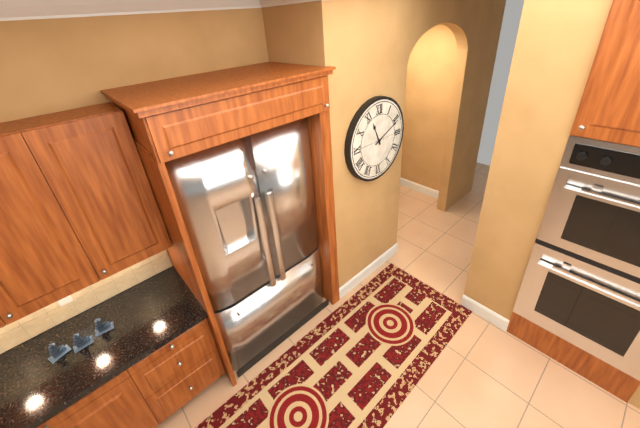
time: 11:11
